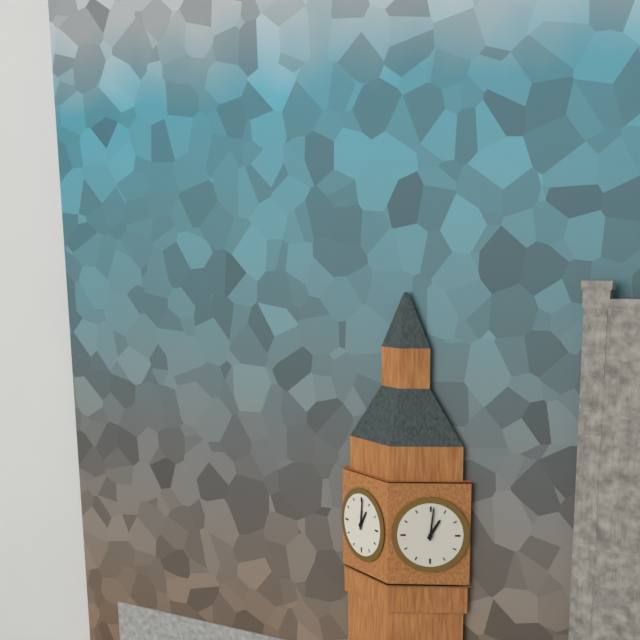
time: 1:01
